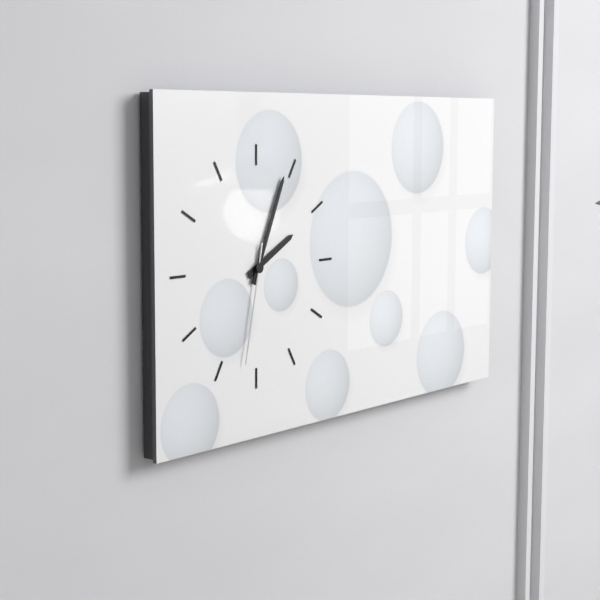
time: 2:04:32
